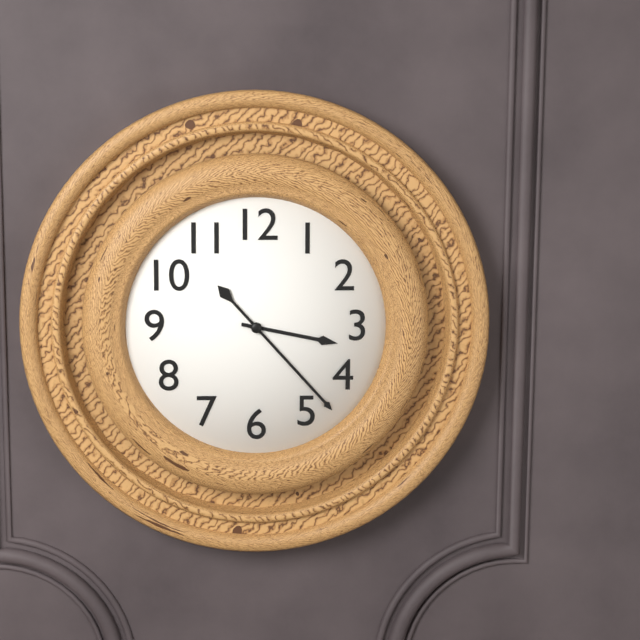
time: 3:23
